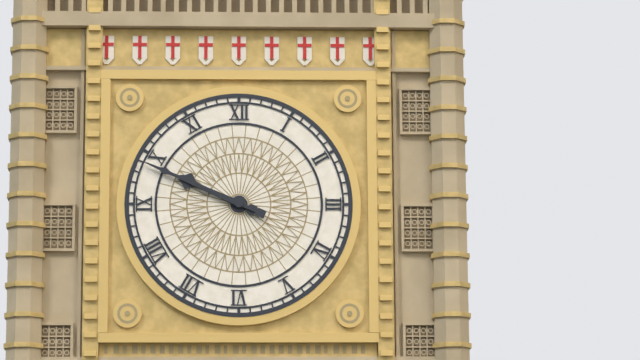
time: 9:49
